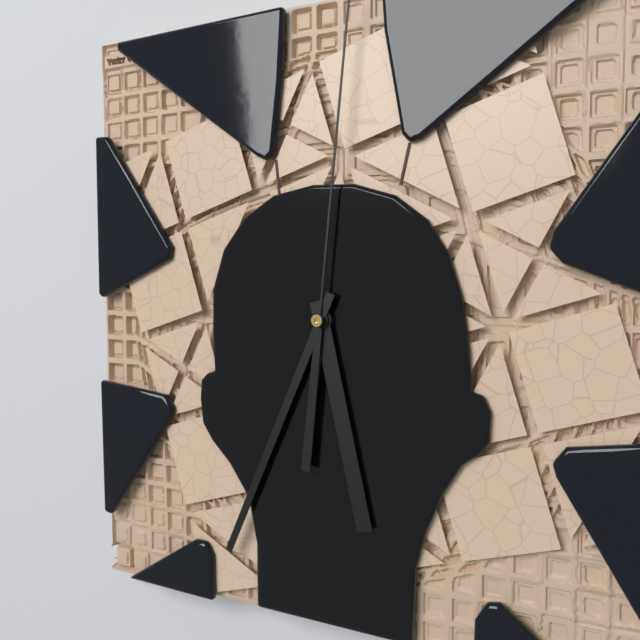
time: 5:34
